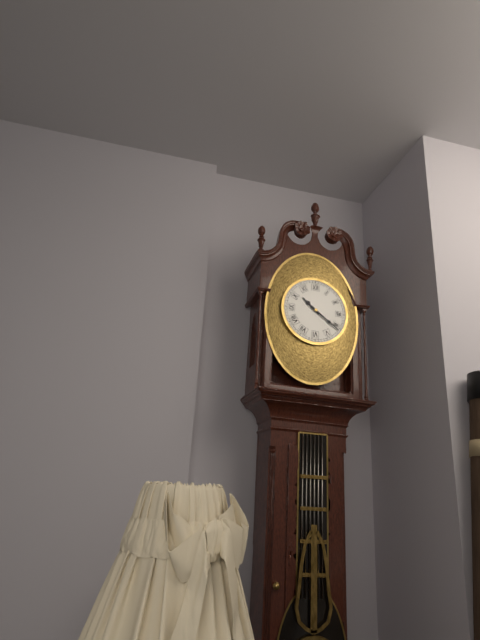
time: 10:21
